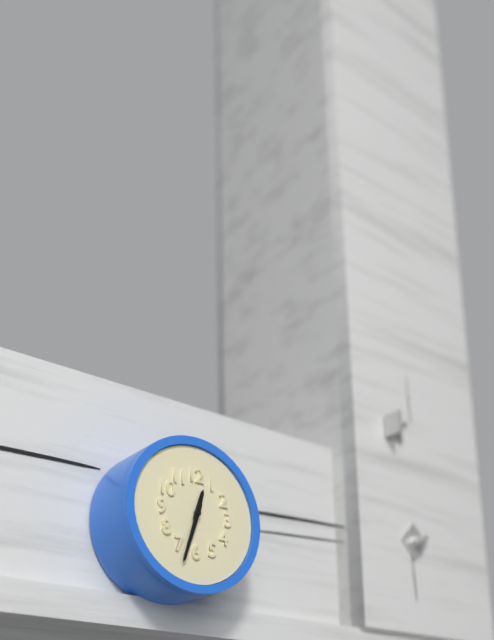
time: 12:33
